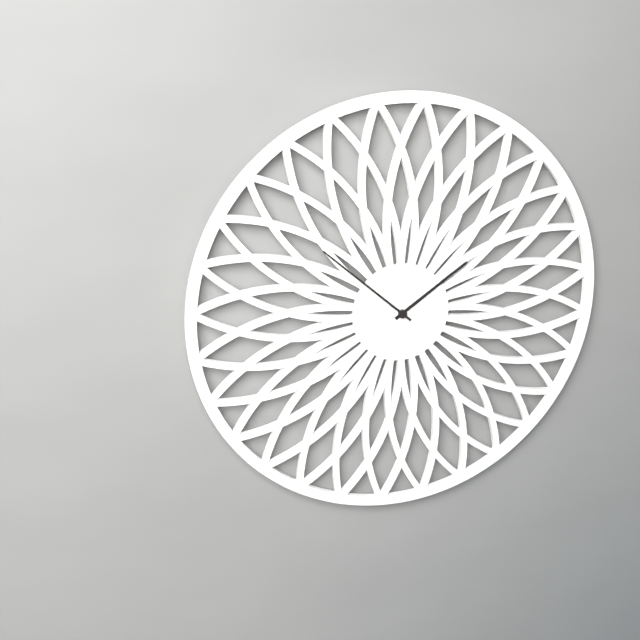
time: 1:52
